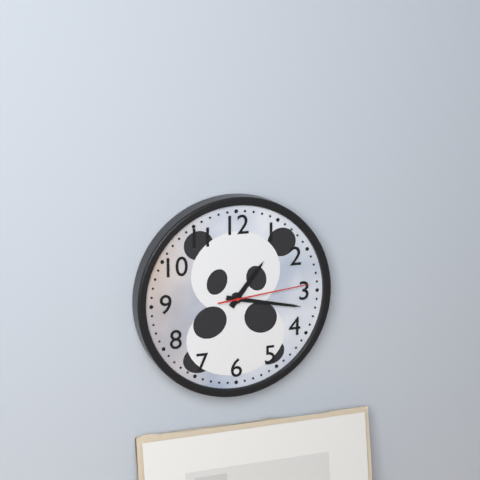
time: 1:17:14
